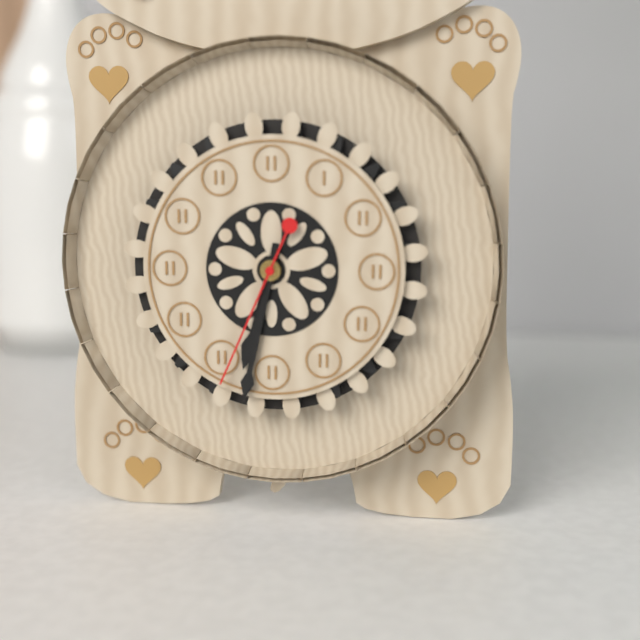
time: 6:32:34
